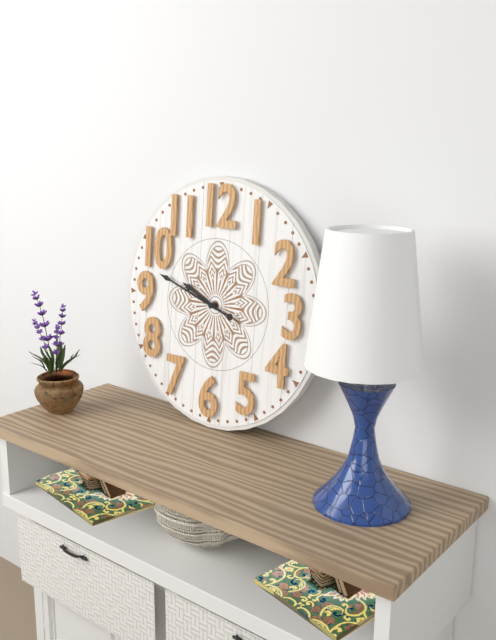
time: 9:48
